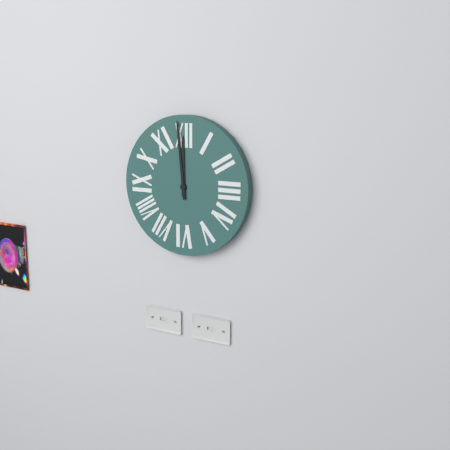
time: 11:59
